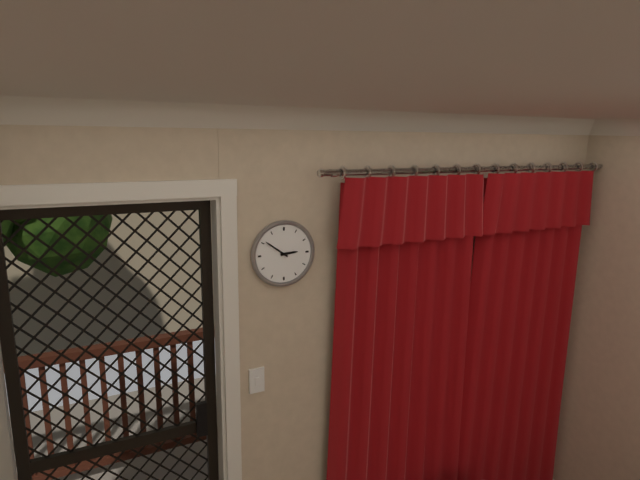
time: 2:51
